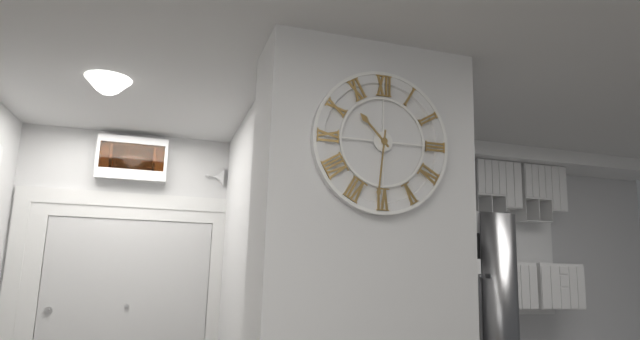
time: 10:31
